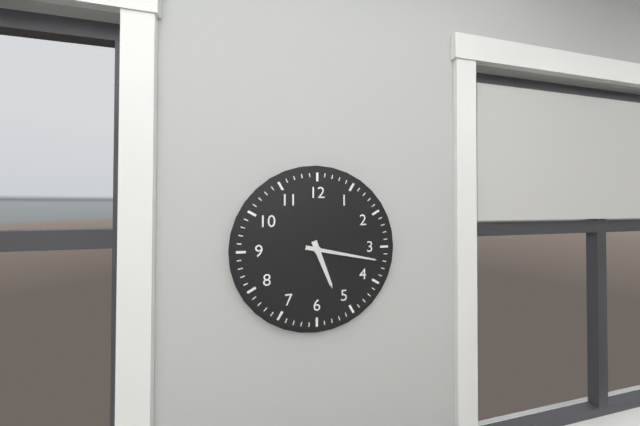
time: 5:17
